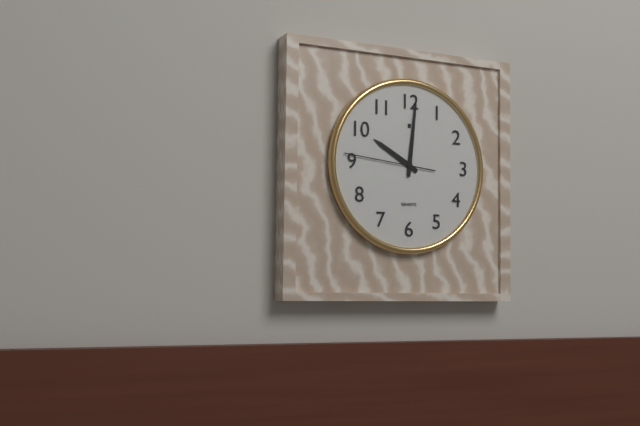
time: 10:01:46
